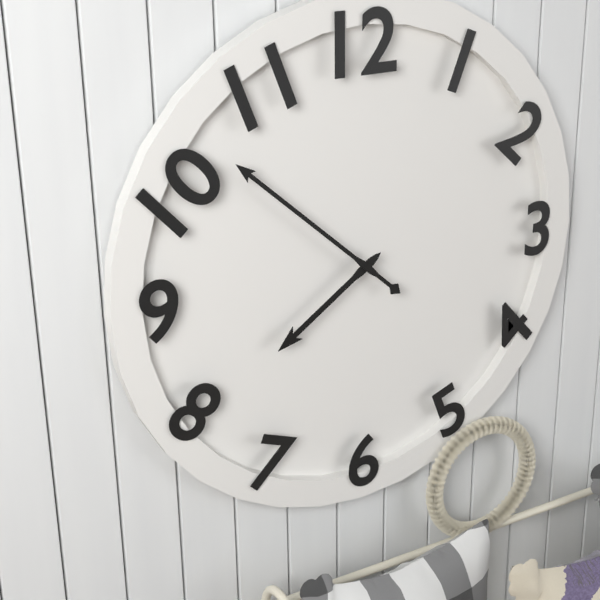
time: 7:52
